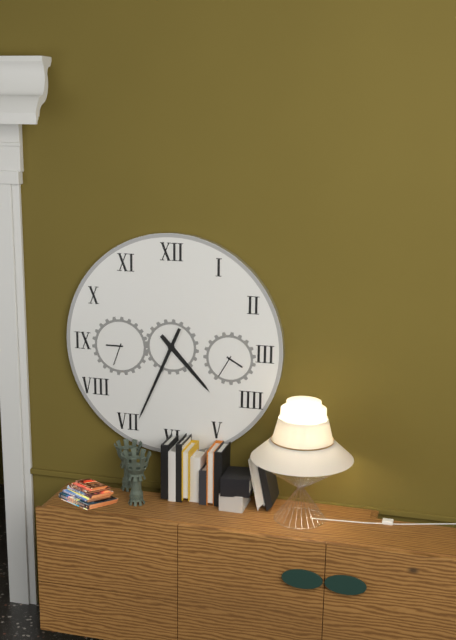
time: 4:34
